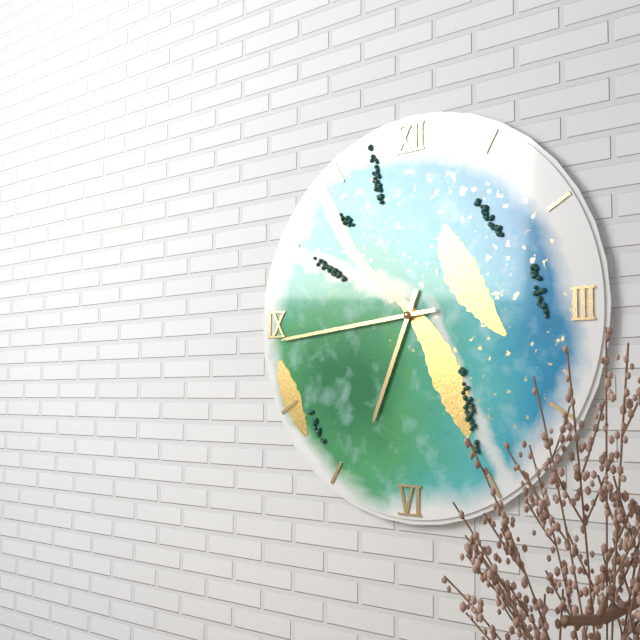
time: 6:44
